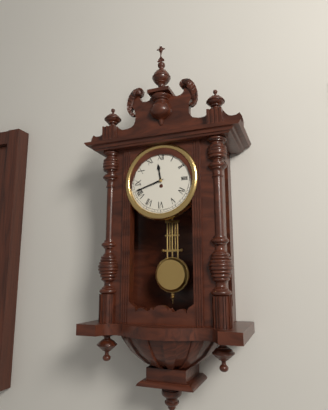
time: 11:42
